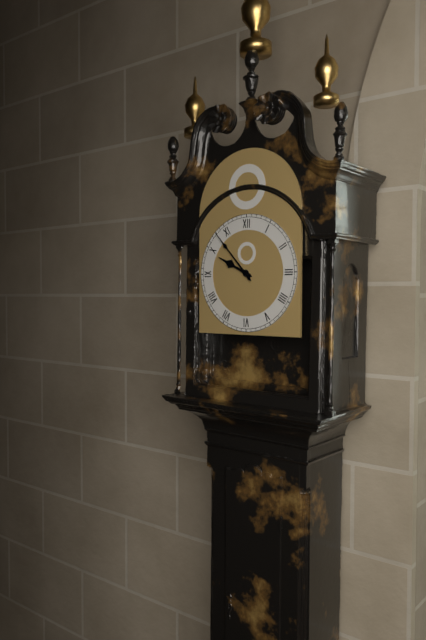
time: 9:53
